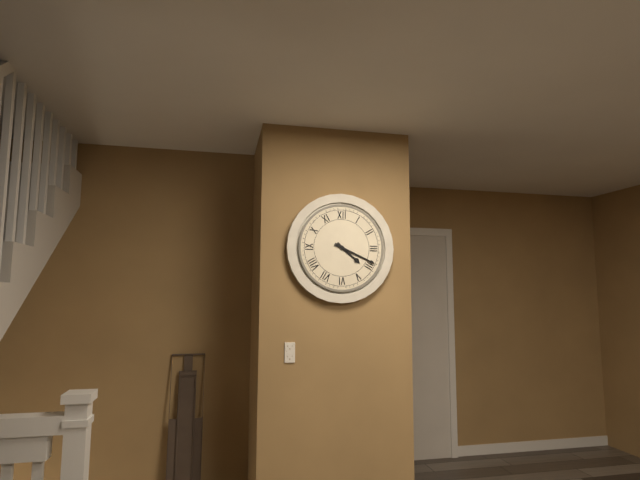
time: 4:19
